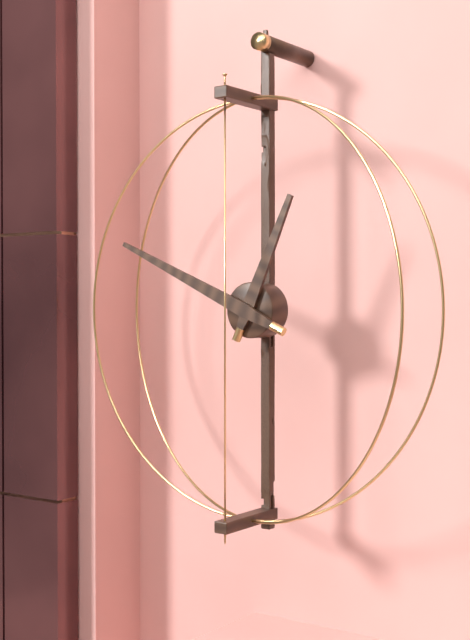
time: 12:49
